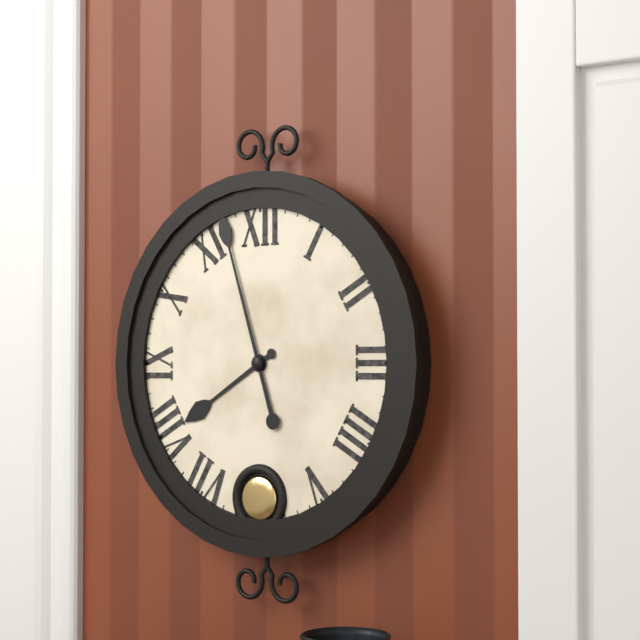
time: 7:57
